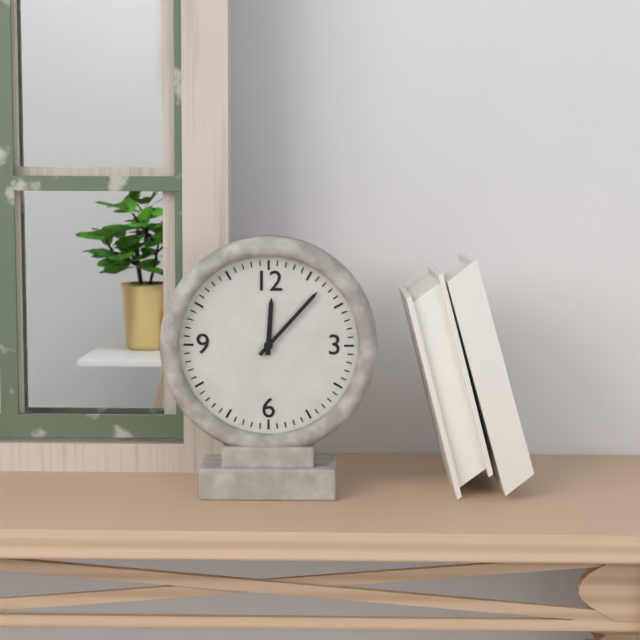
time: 12:07
